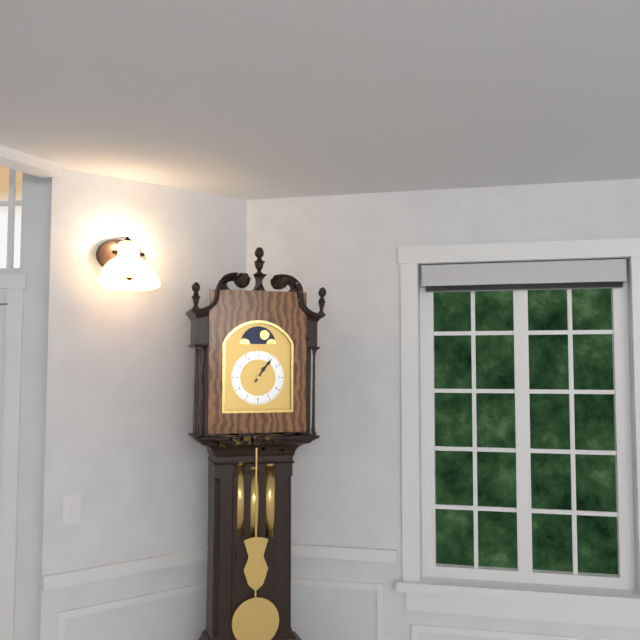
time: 1:06
